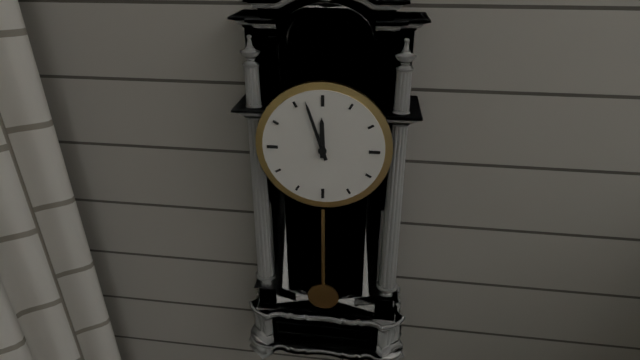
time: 11:57
